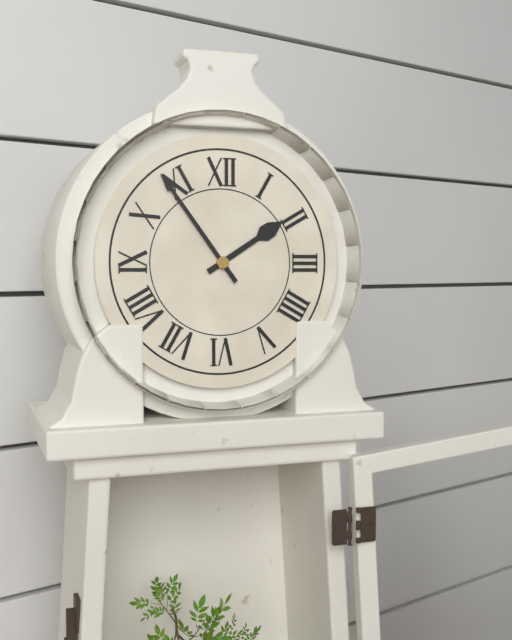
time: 1:54
